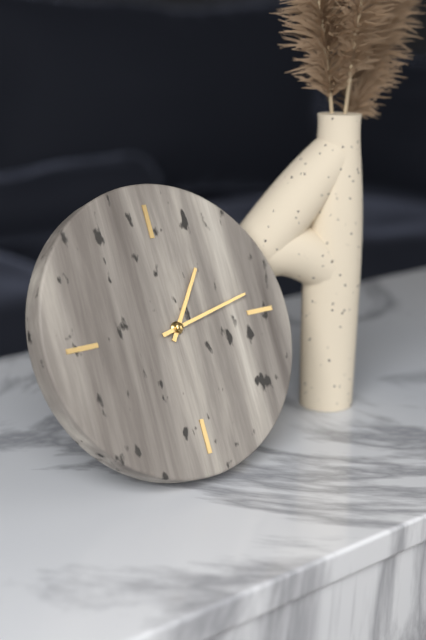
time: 1:13
